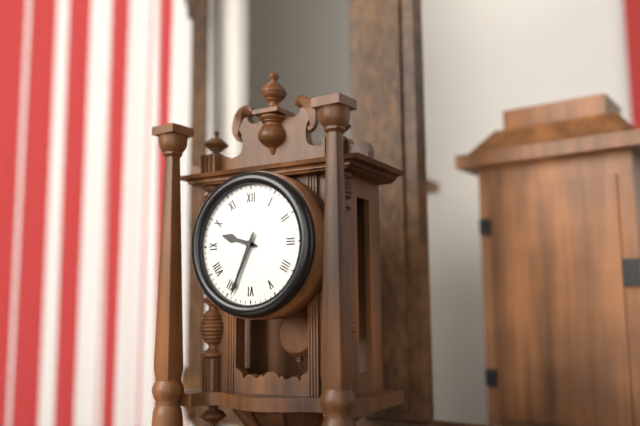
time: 9:34
